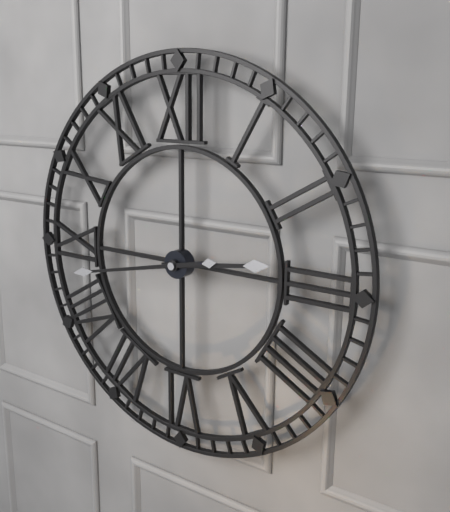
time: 2:43
